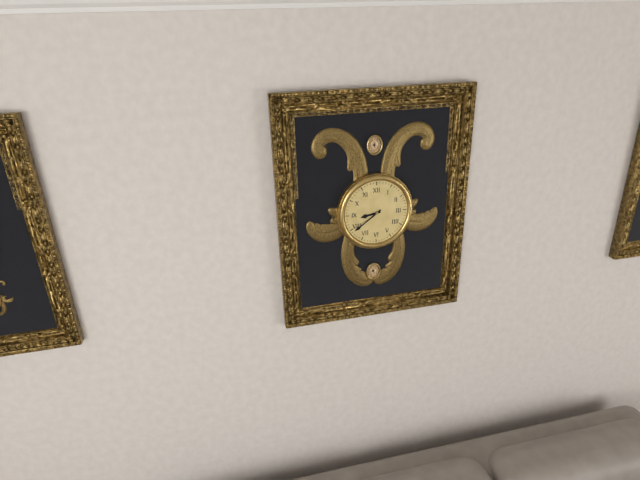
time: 8:39
